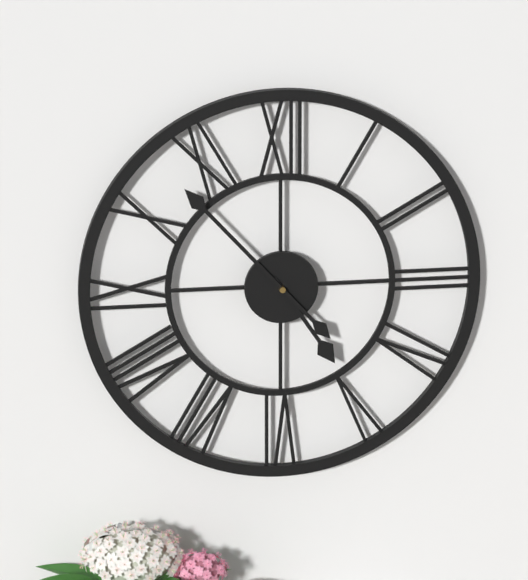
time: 4:53
